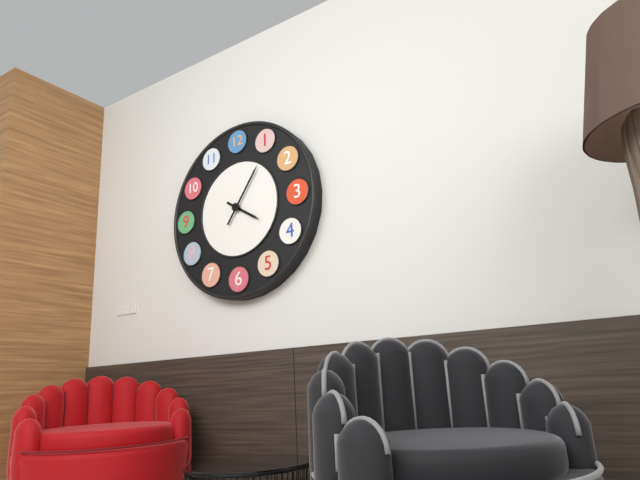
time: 4:06
